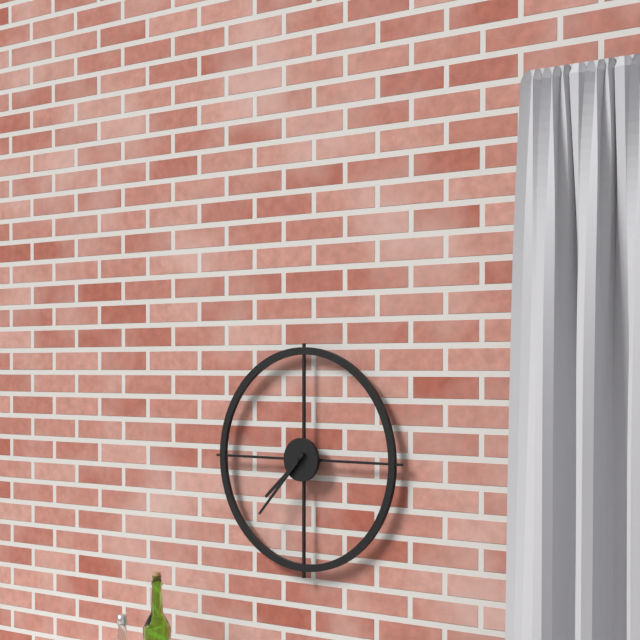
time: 7:37
